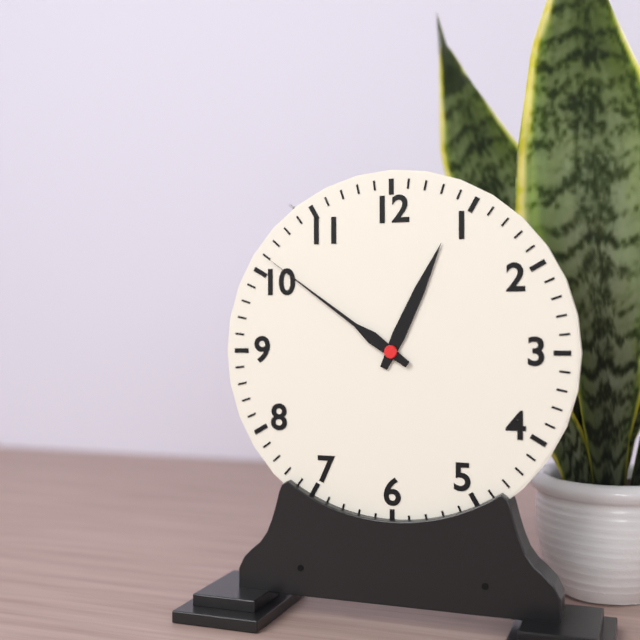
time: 12:51
